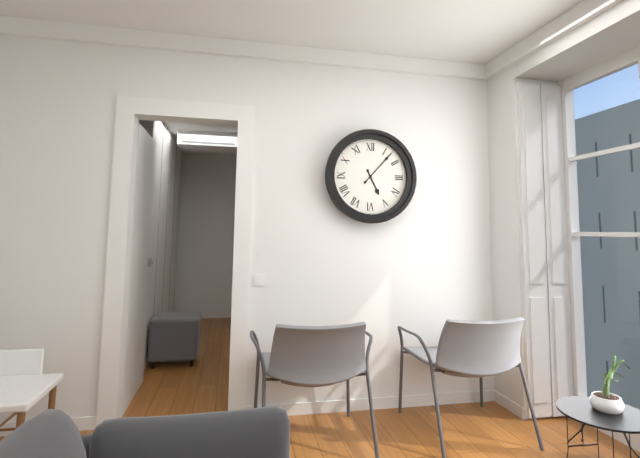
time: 5:07
